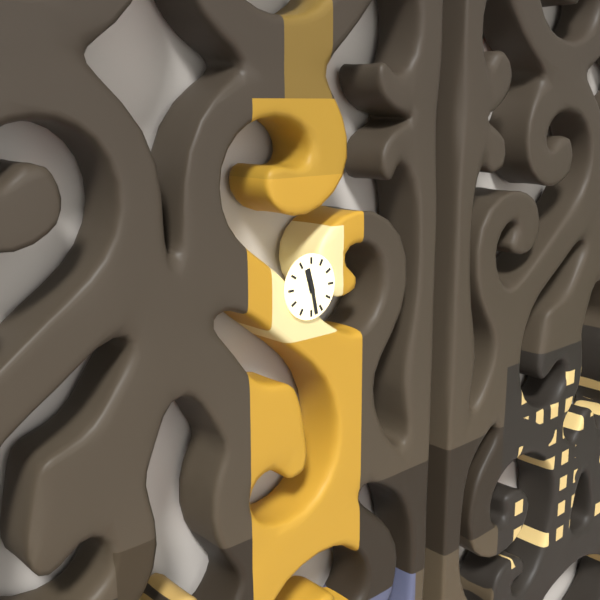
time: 11:28
